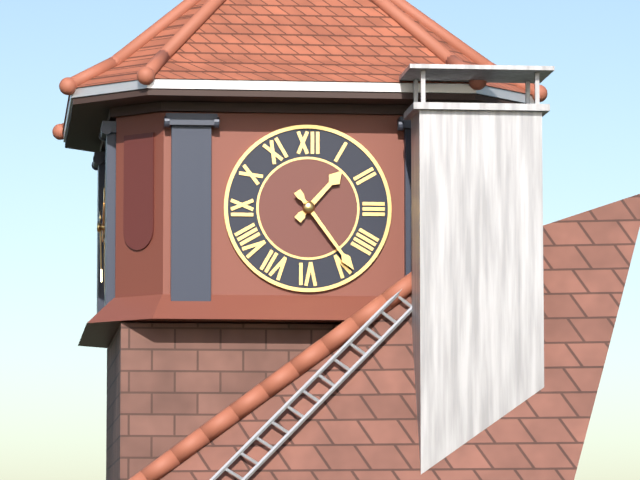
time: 1:24
